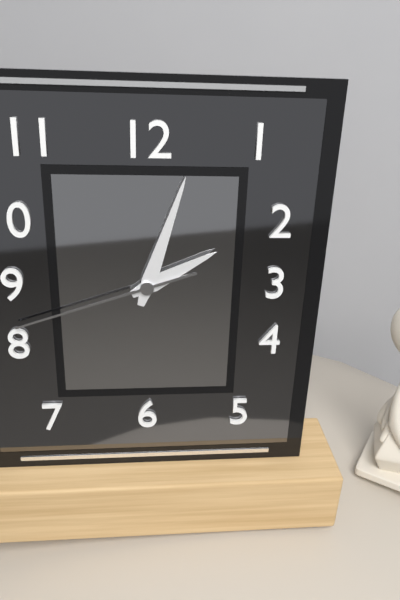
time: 2:03:42
